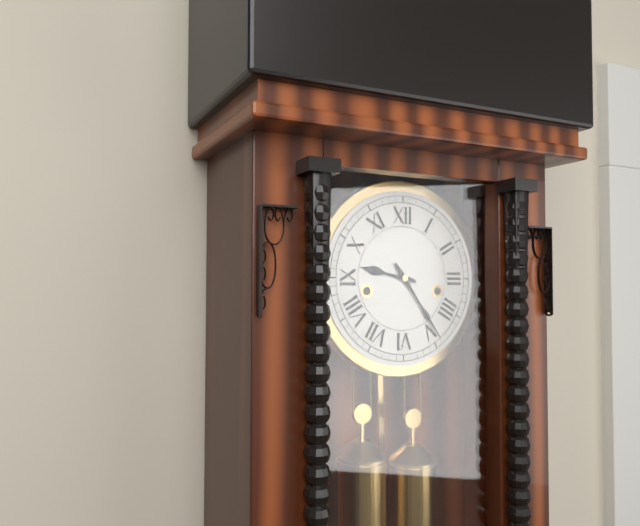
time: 9:24
